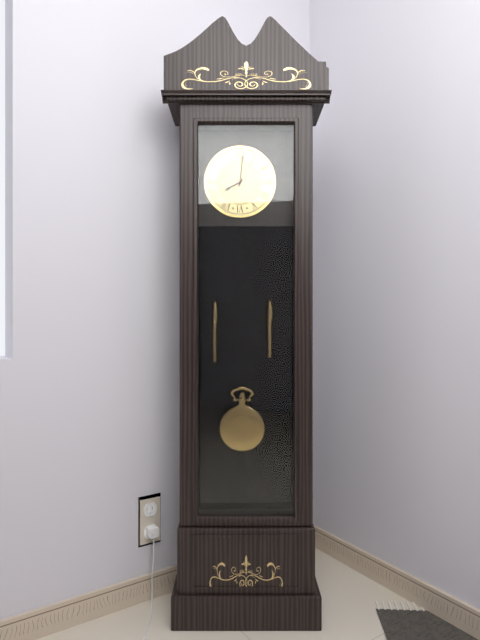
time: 8:01
